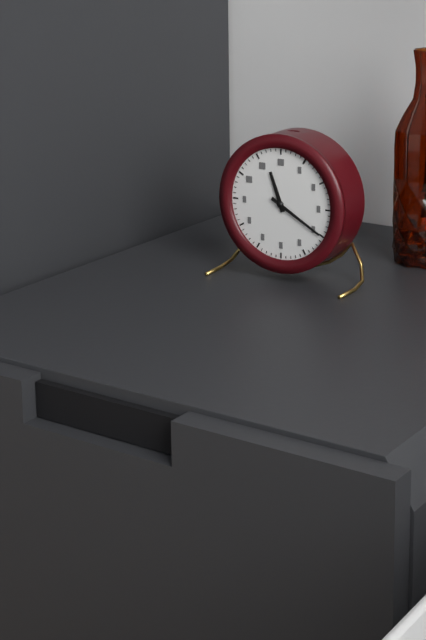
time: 11:20
